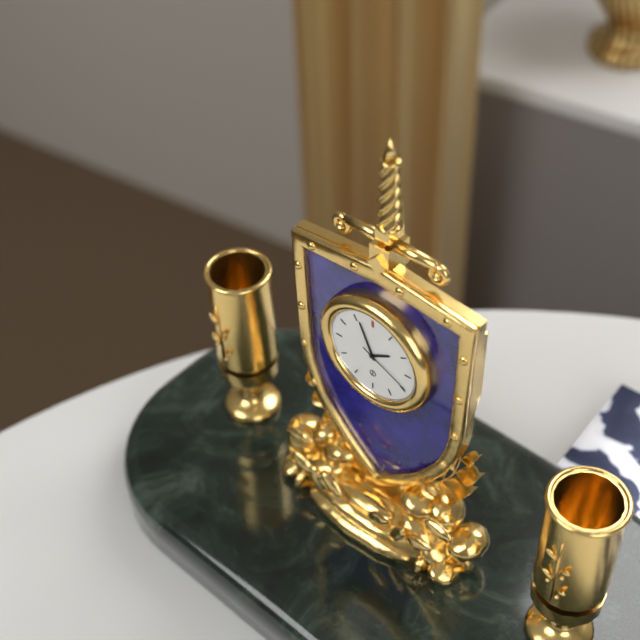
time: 1:56:19
